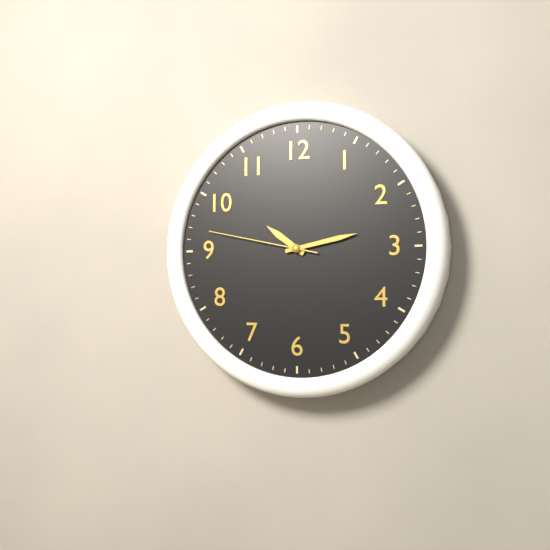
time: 10:13:47
